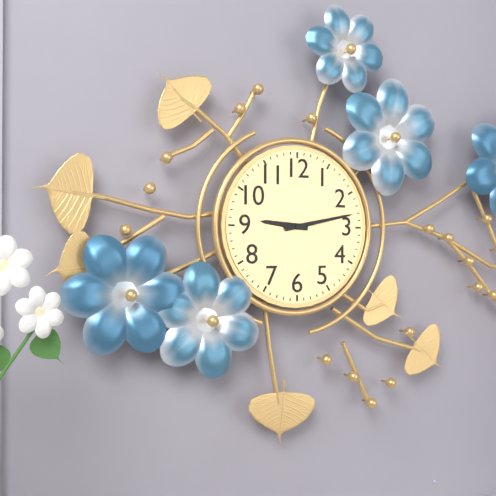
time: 9:13
